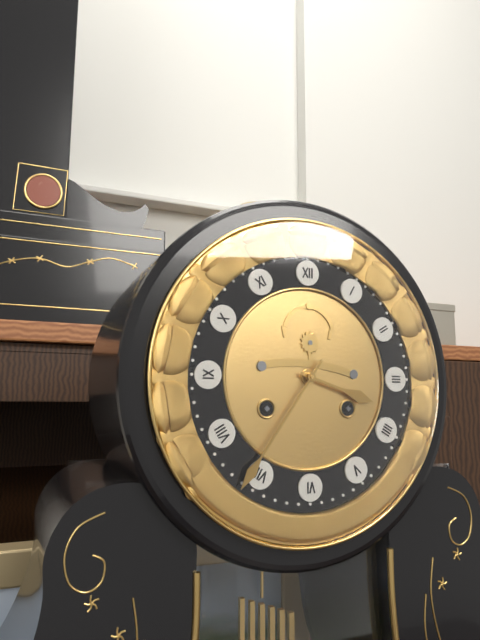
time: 3:36
